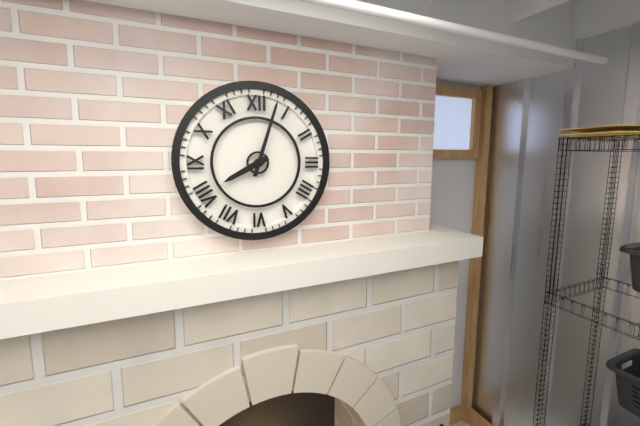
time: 8:03
